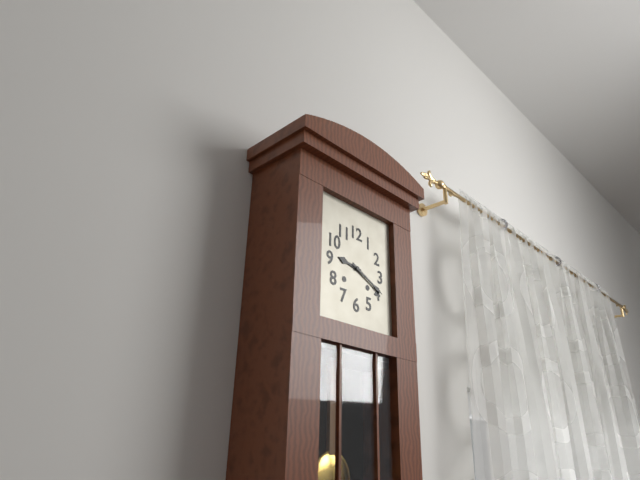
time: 9:19
